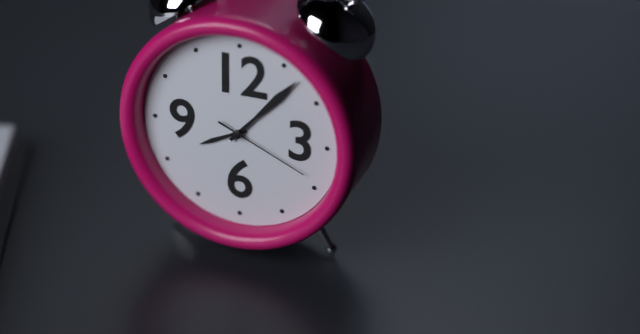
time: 8:07:19
